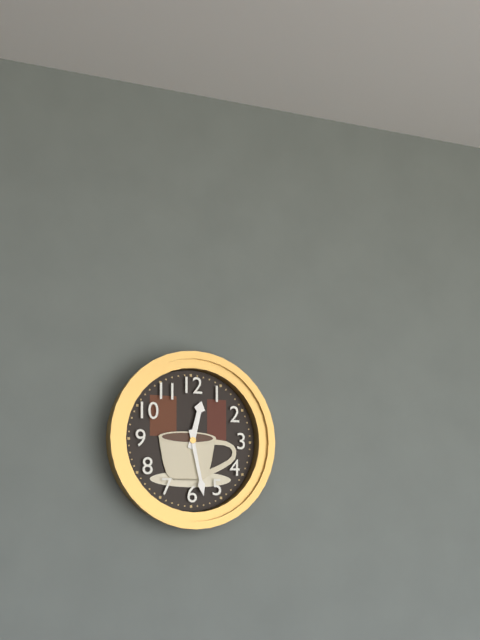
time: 12:28
